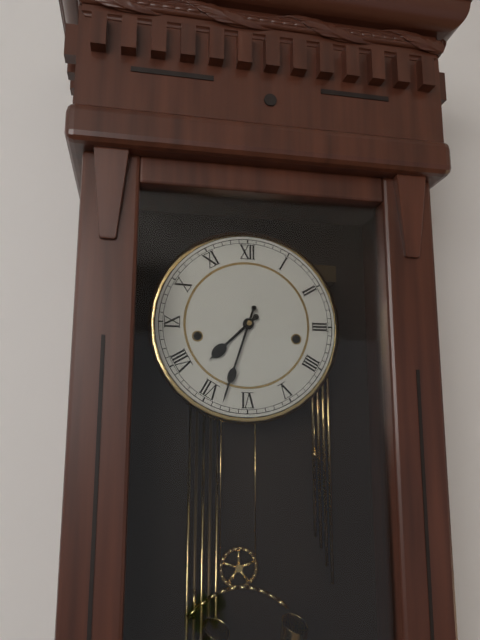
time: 7:33
